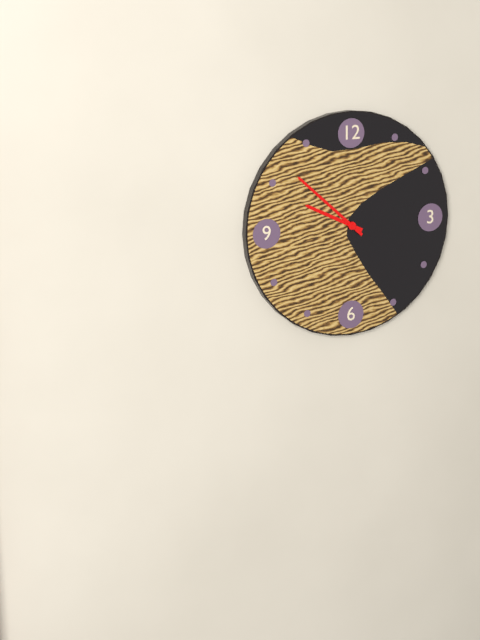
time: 9:52
